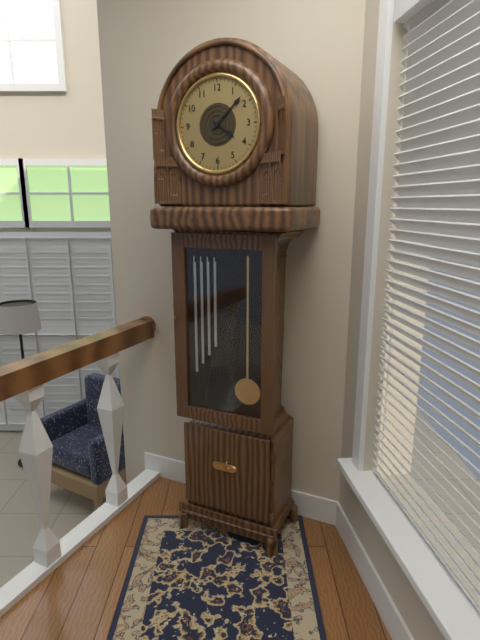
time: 4:08
